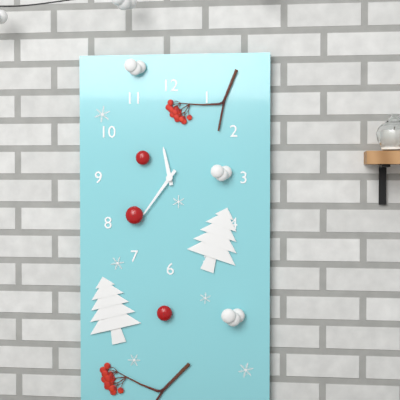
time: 11:36
